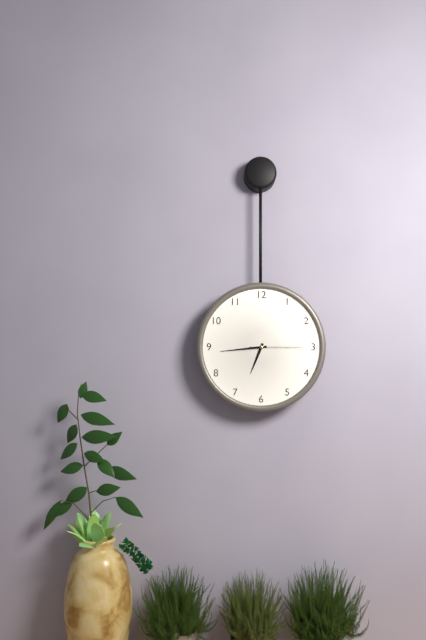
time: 6:44:15
